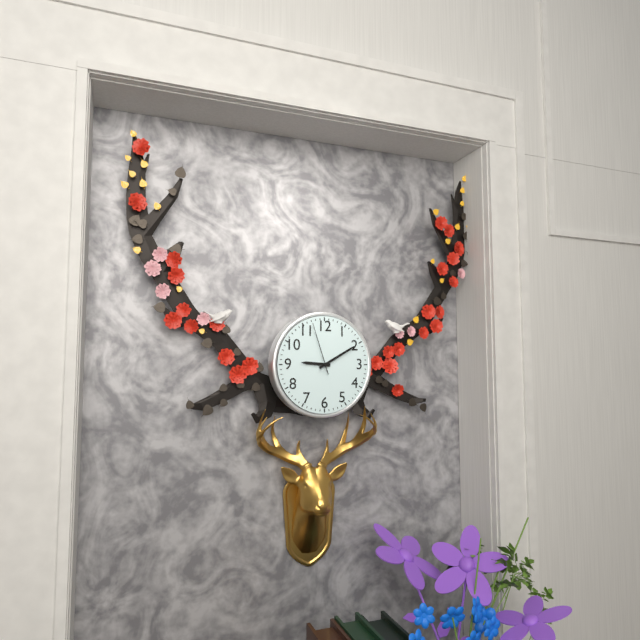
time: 9:10:57
